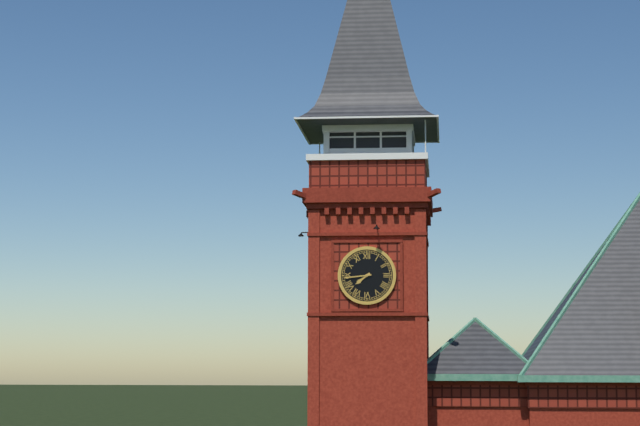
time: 7:44
